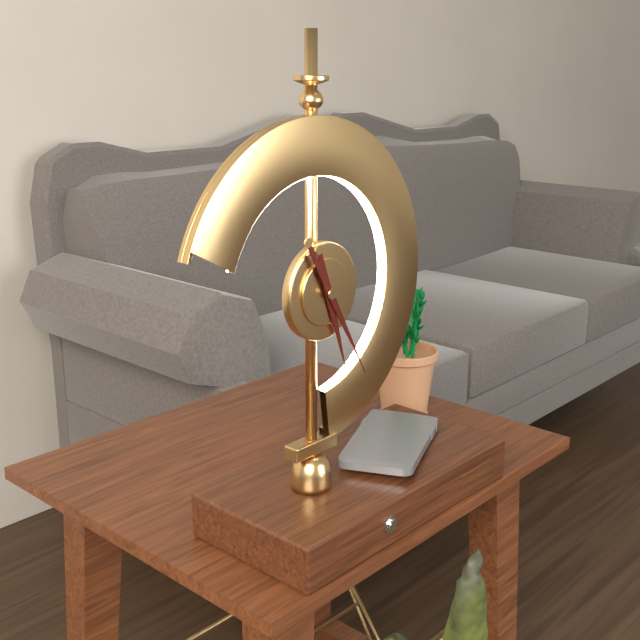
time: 5:25
